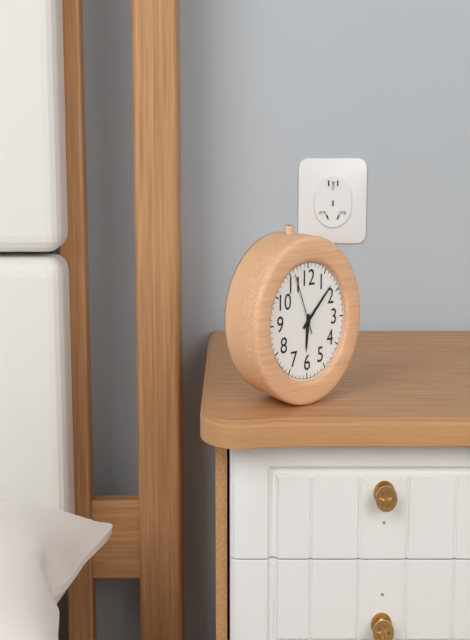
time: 6:08:56
